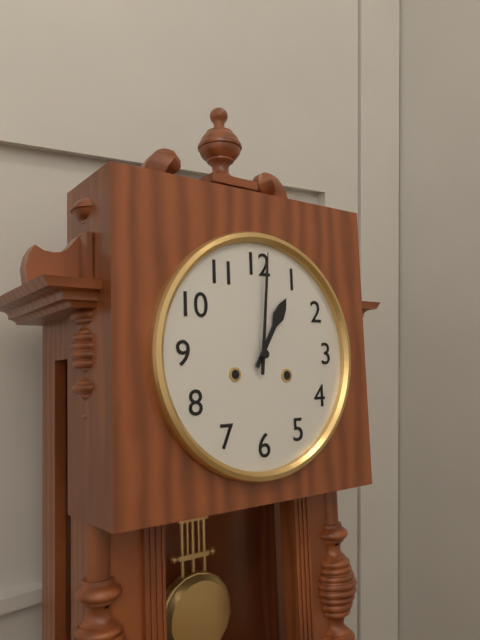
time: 1:01
